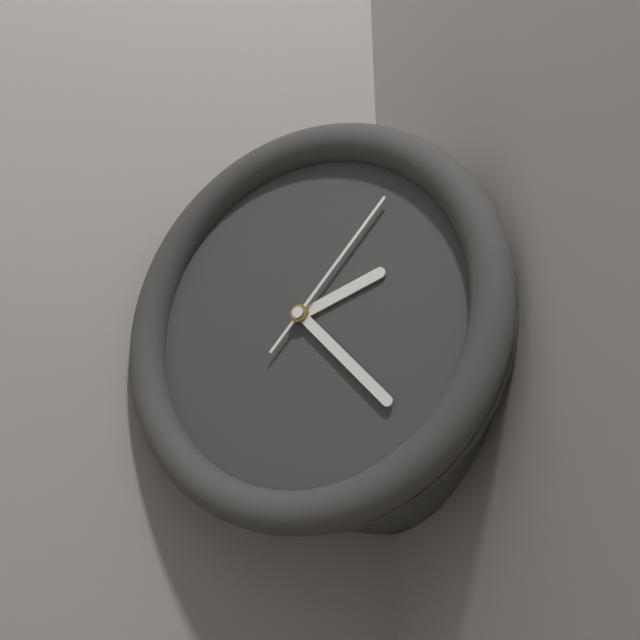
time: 2:23:07
